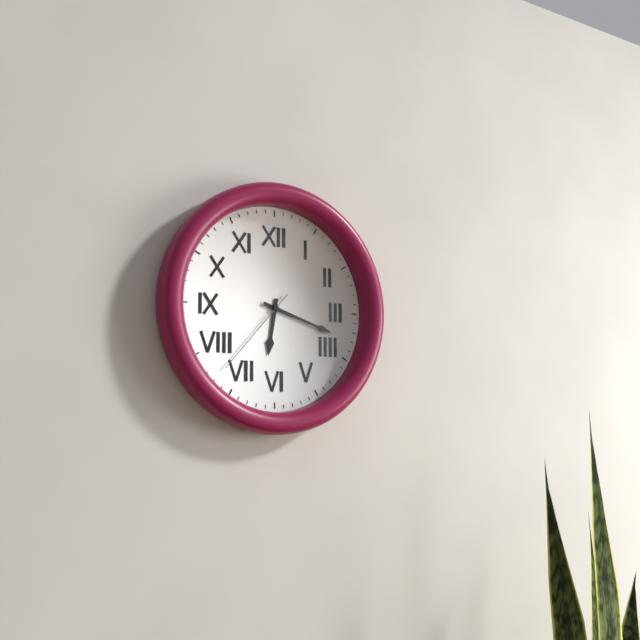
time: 6:18:37
